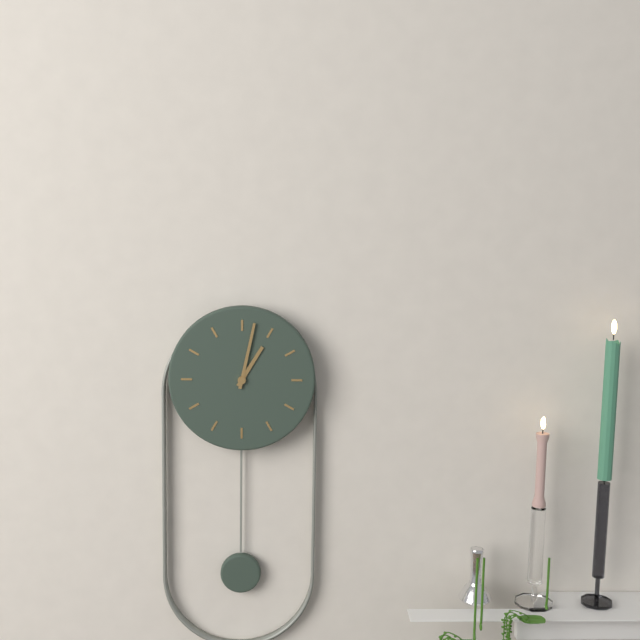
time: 1:02
